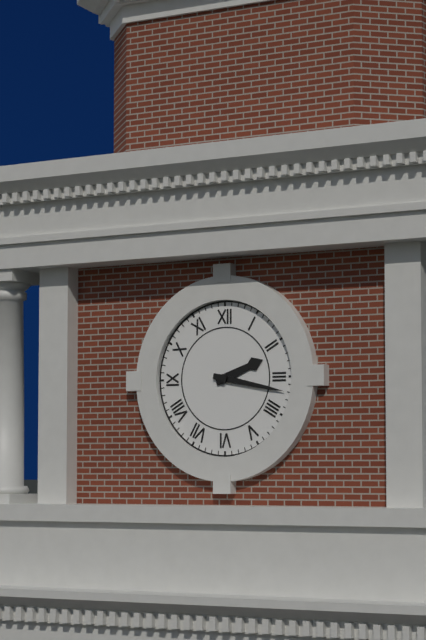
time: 2:17
